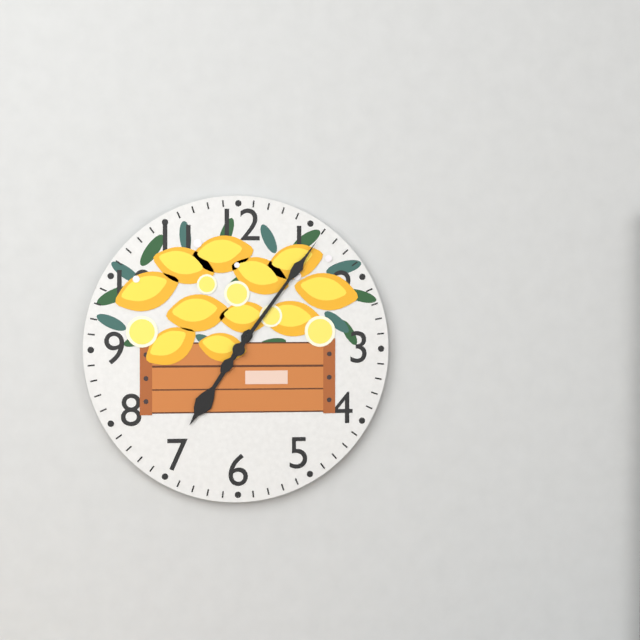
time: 7:06
